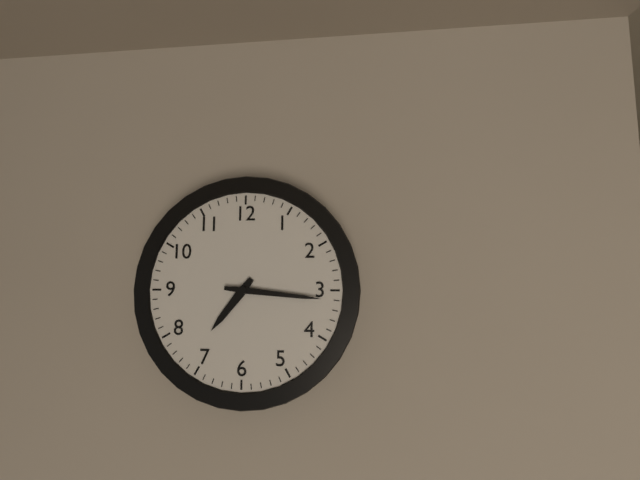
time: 7:16
